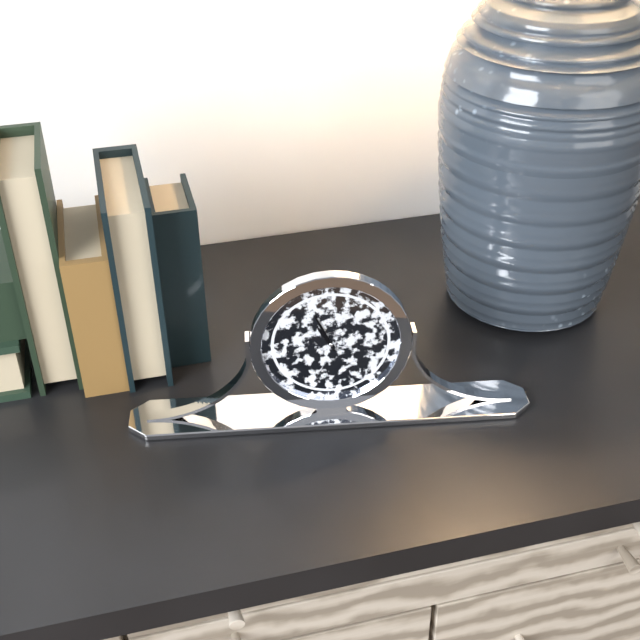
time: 10:56
